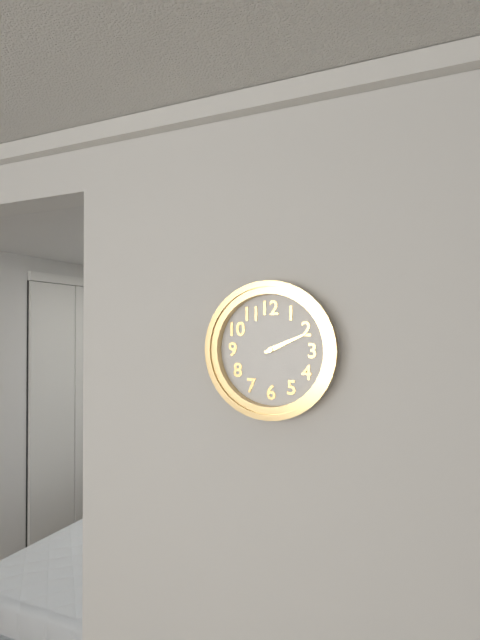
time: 2:11
